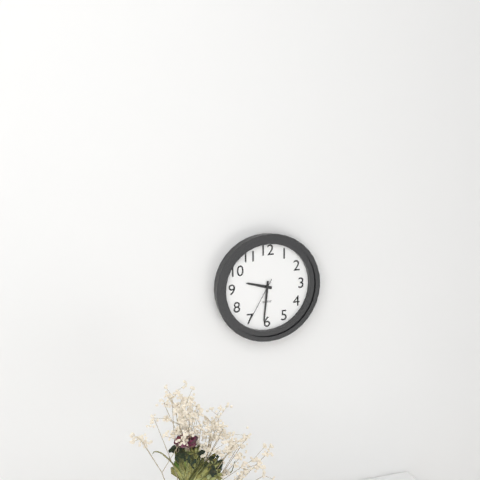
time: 9:31:35
